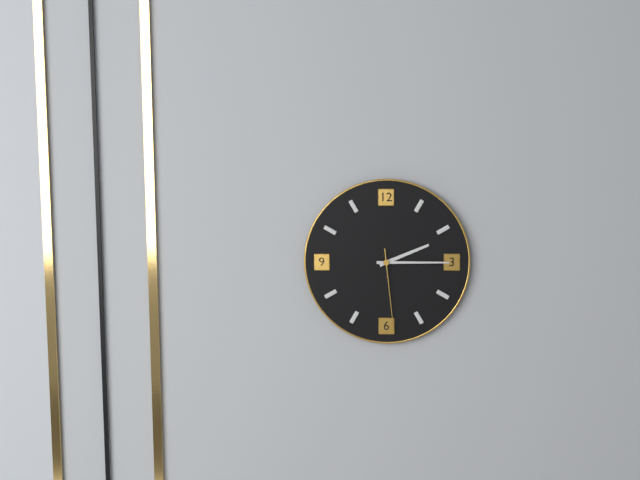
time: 2:15:29
